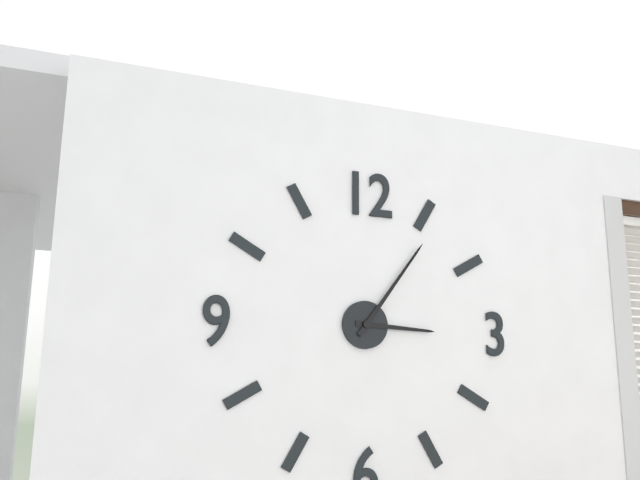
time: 3:06
